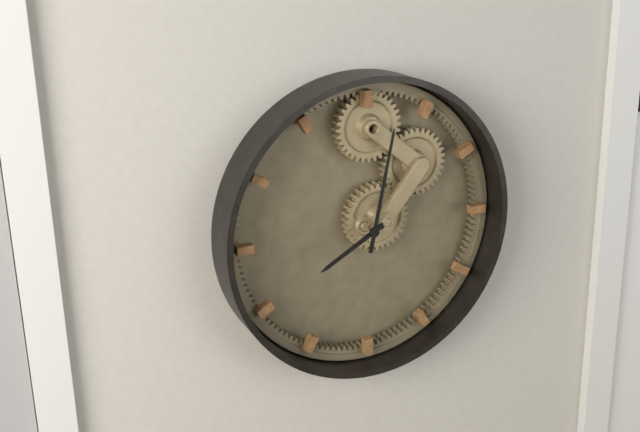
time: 8:02
